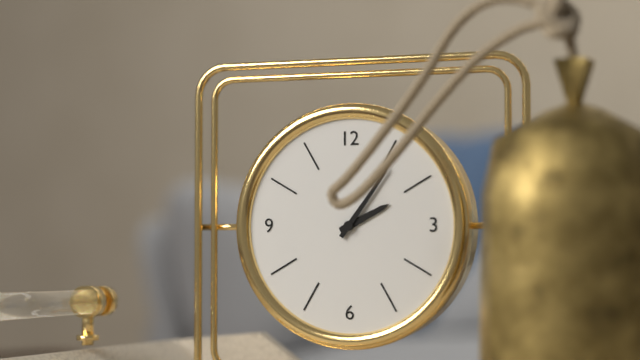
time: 2:06
